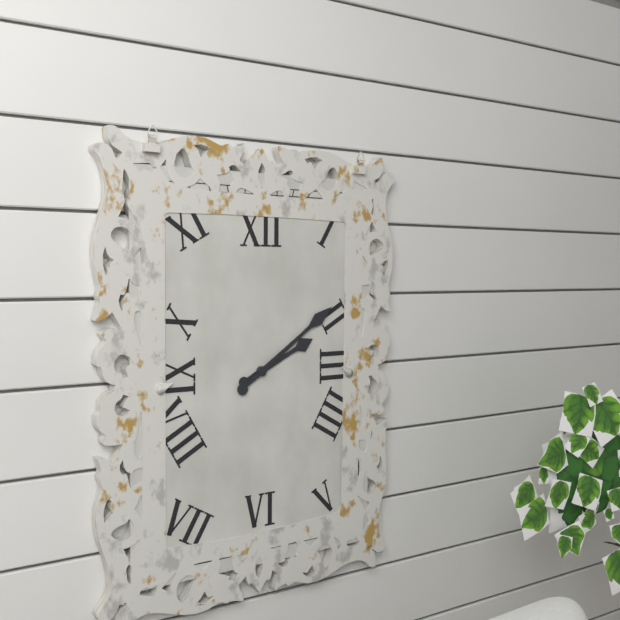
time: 2:09
